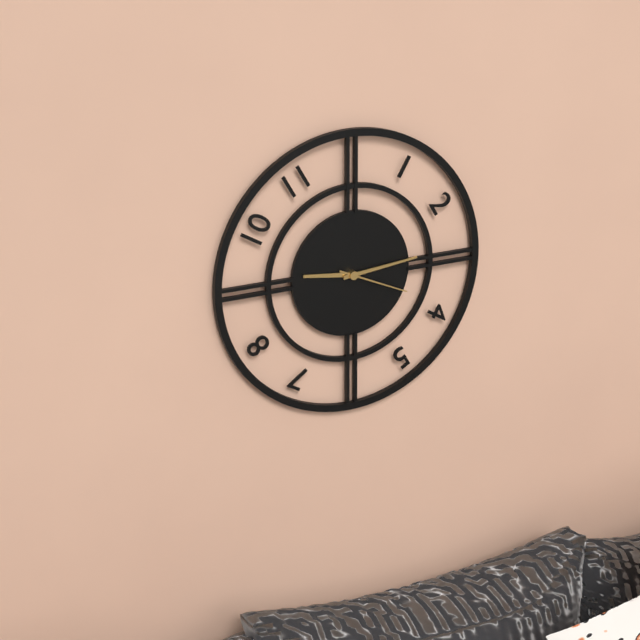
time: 9:14:19
